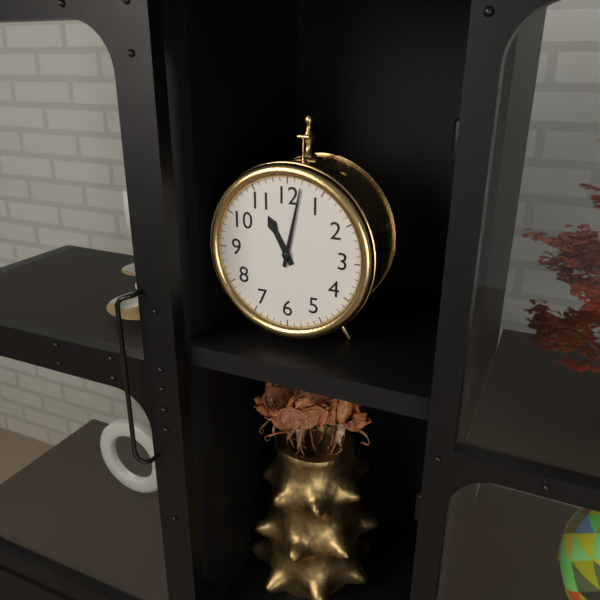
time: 11:02
